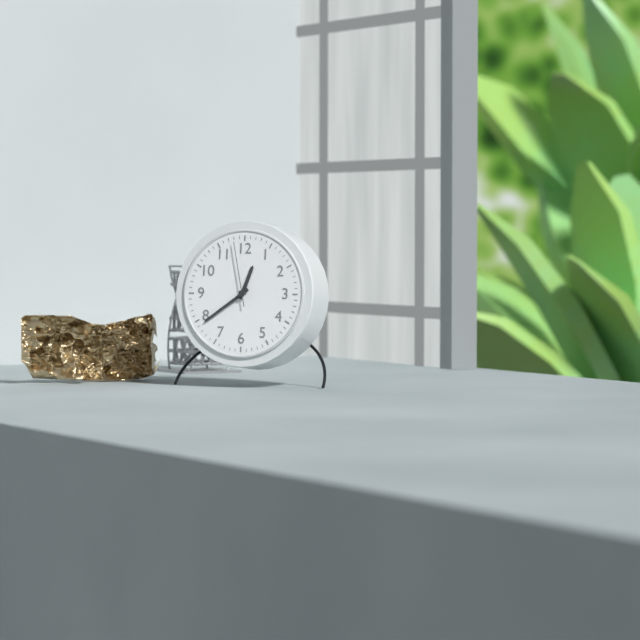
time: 12:39:58
